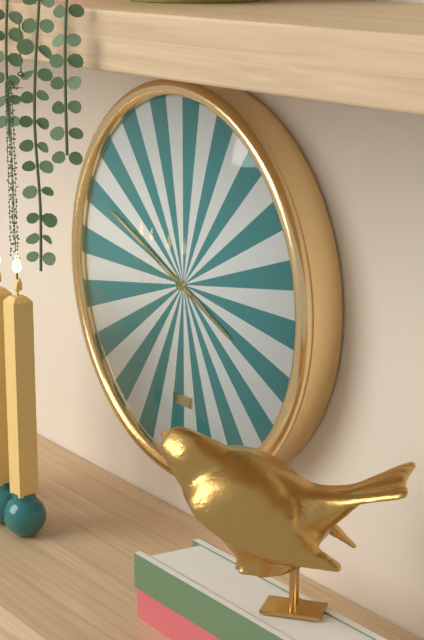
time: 3:49
